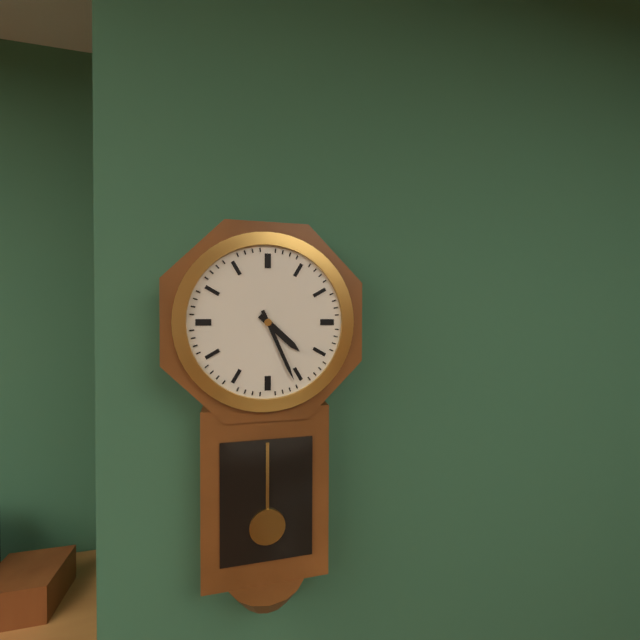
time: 4:26
